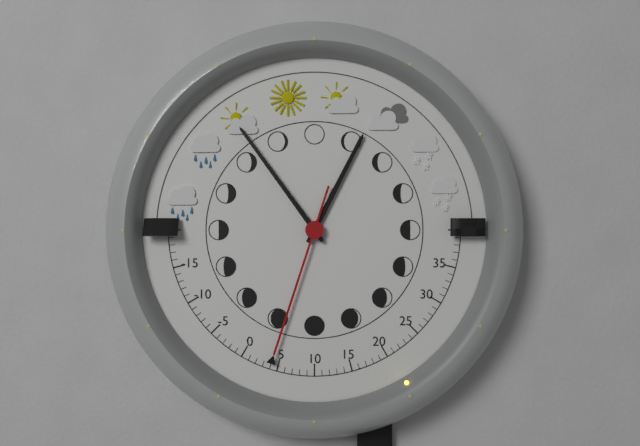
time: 12:54:33
